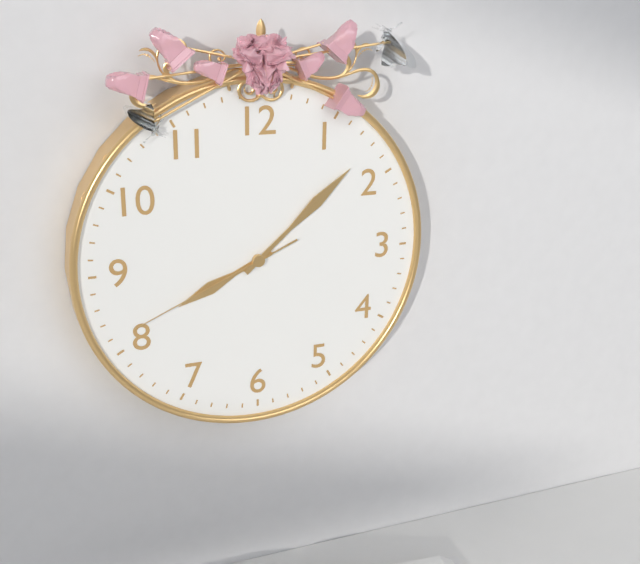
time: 8:08:41
